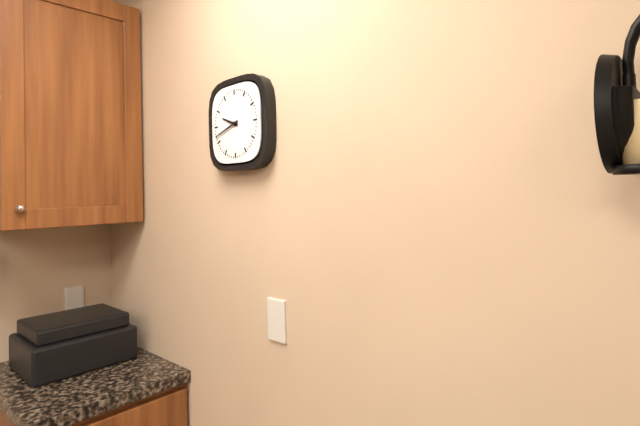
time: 9:42
